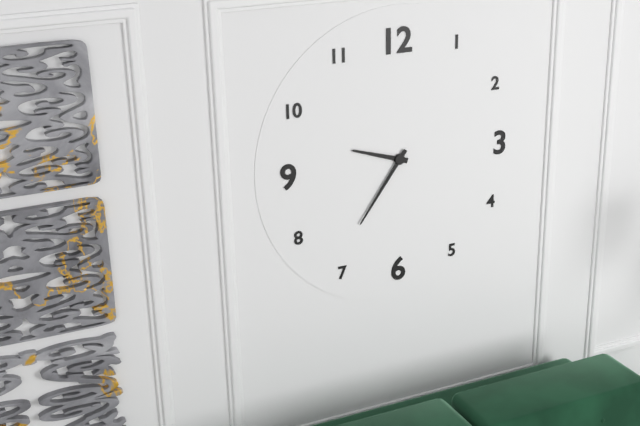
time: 9:36
